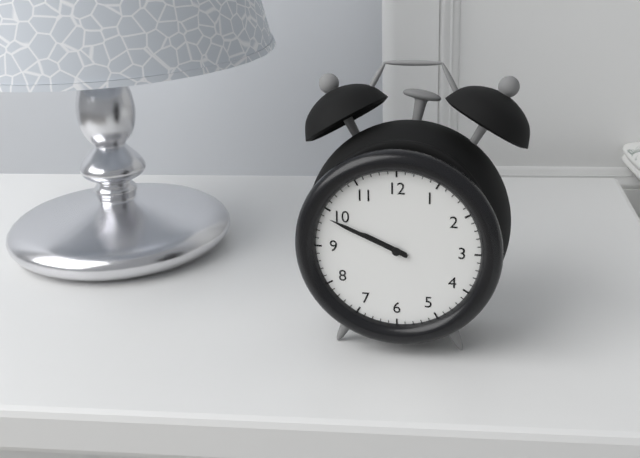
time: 9:49
